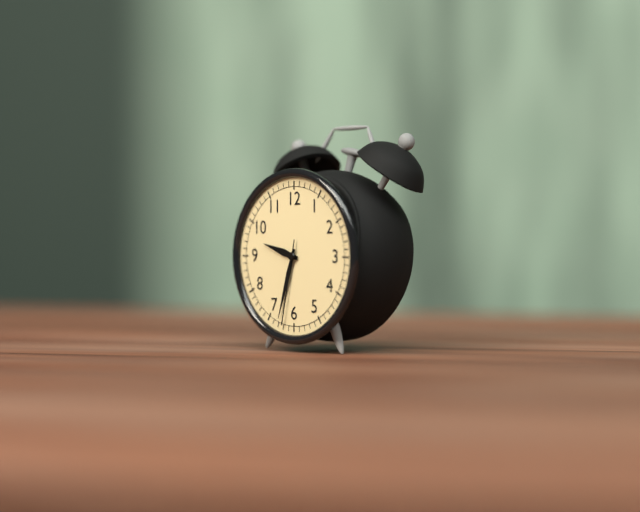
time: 9:33:32
